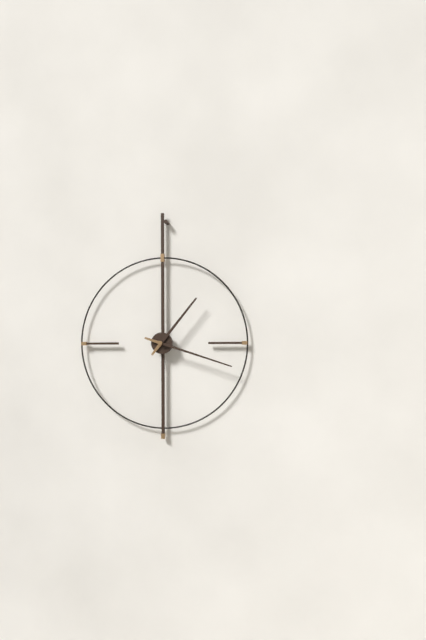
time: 1:18
